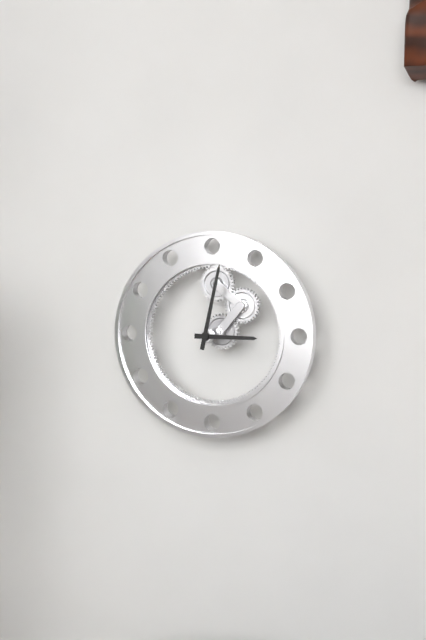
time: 3:02
